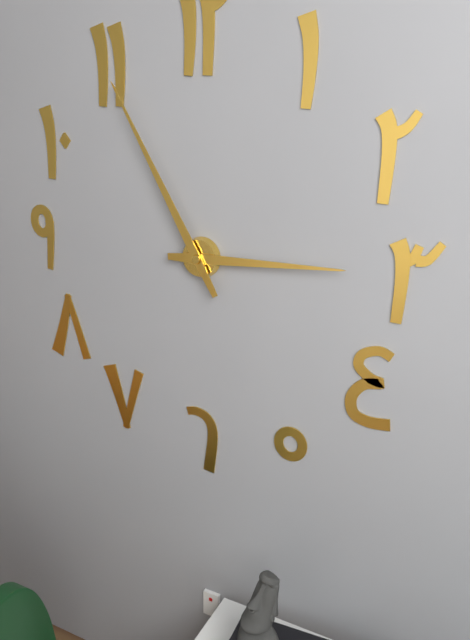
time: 2:55
